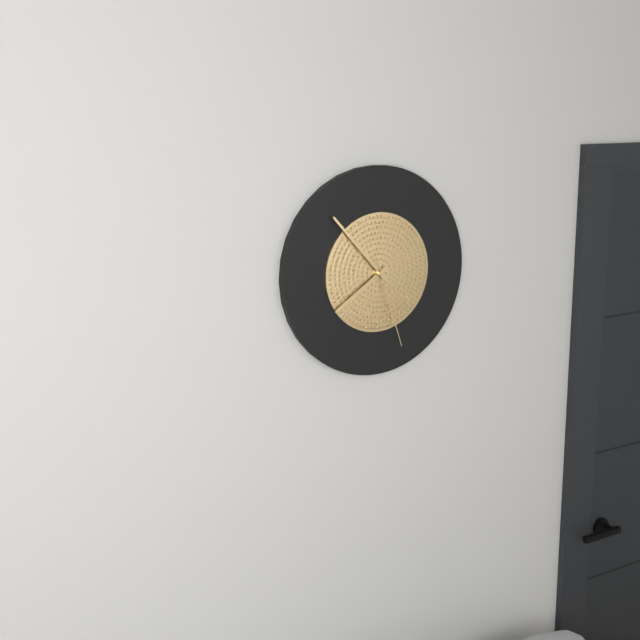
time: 7:53:27
